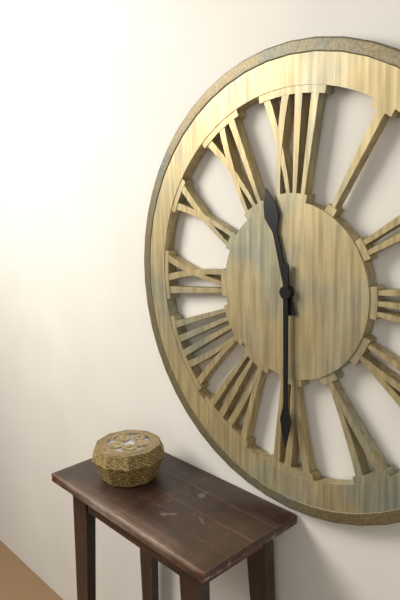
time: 11:30
